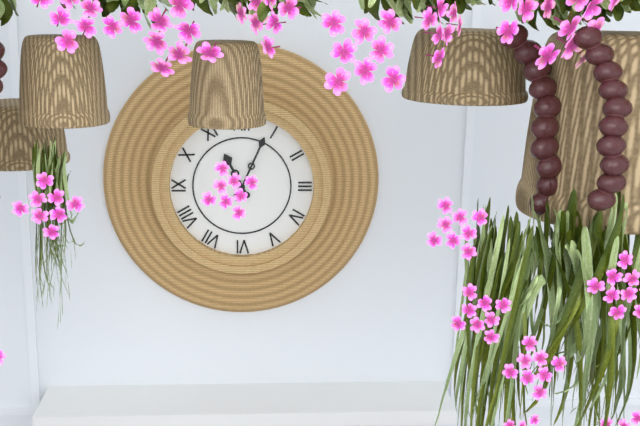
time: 11:04
